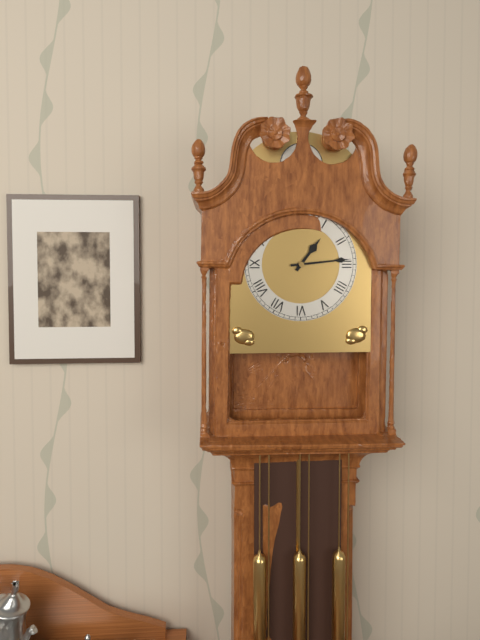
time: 1:14
